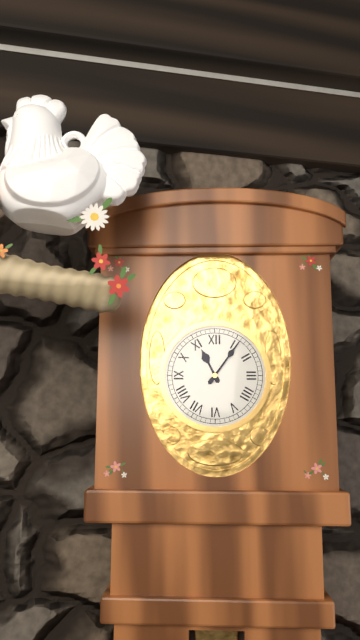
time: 11:06
